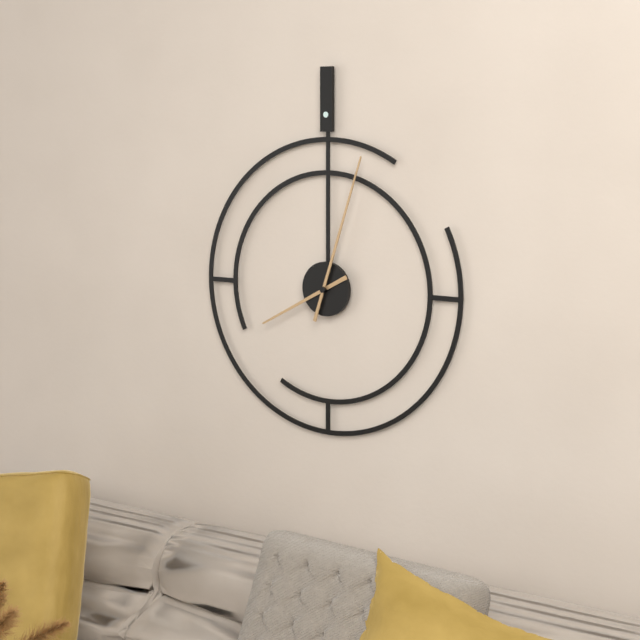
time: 8:03
